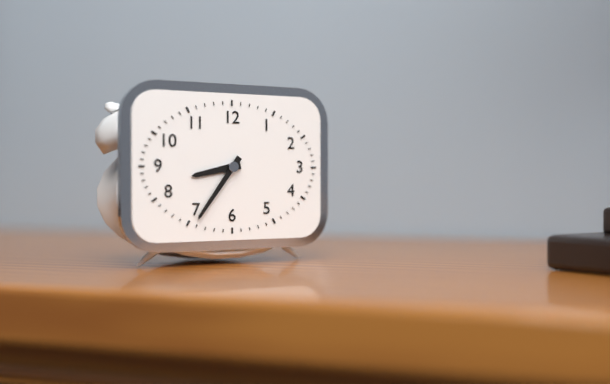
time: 8:36
